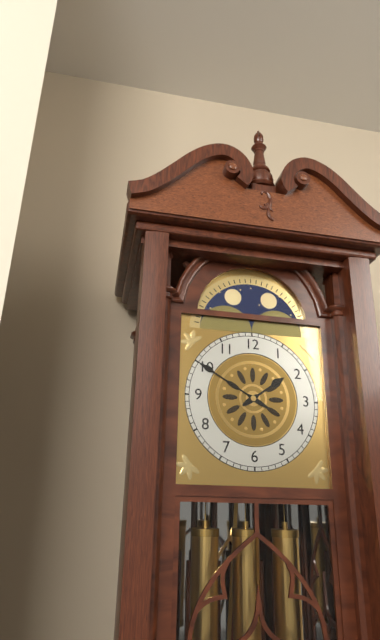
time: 1:50
